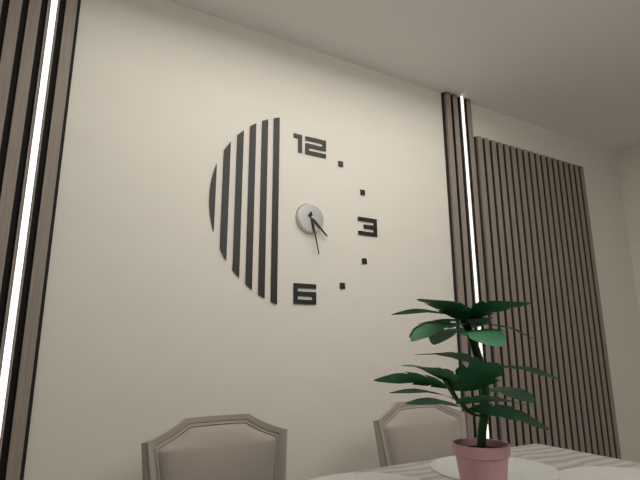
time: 4:28
